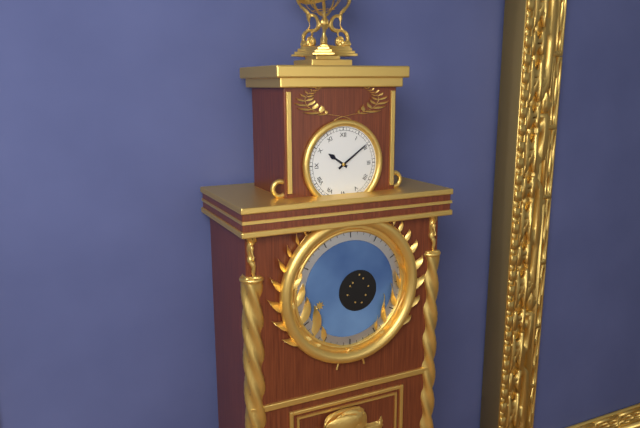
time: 10:09
